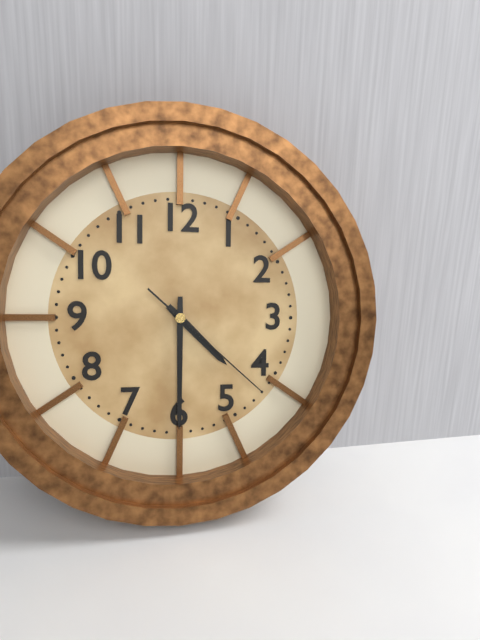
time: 4:30:22
